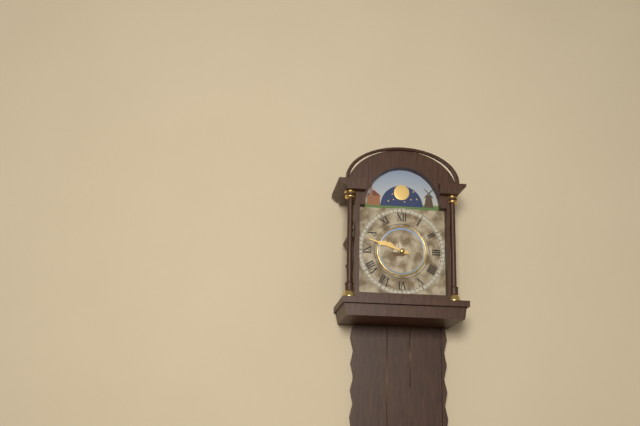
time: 9:48
